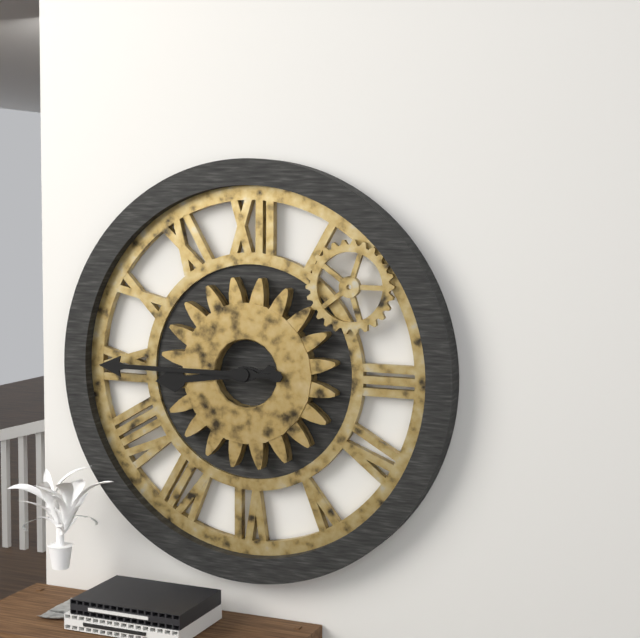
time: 8:45
